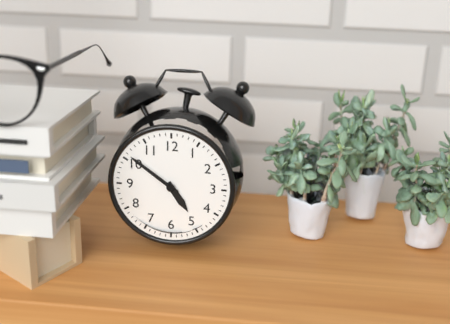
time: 4:51
